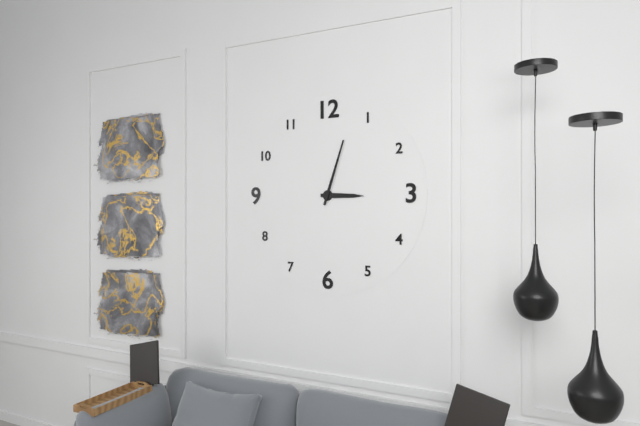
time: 3:03
